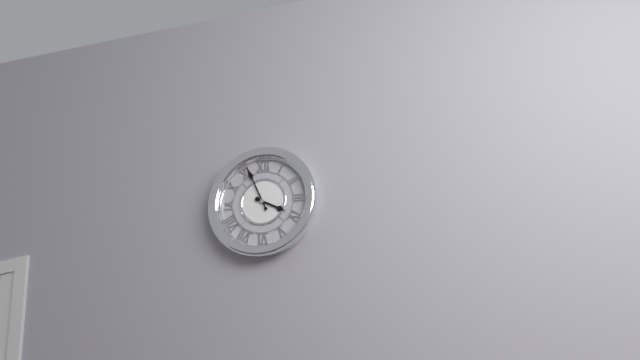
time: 3:56
